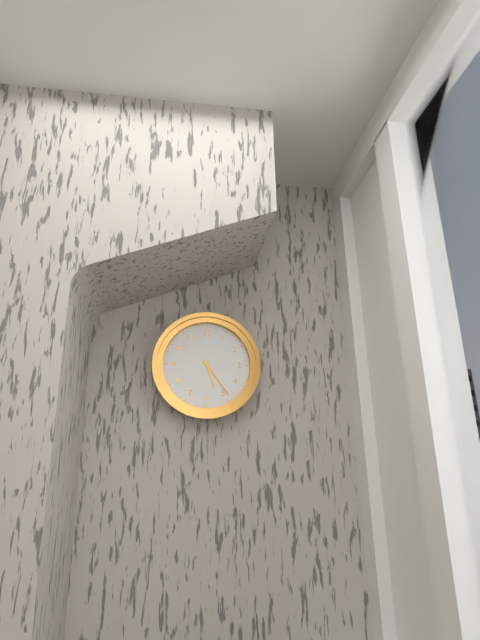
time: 5:24
